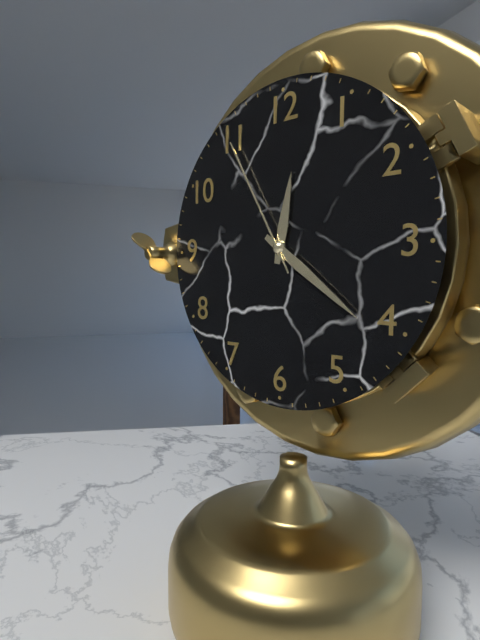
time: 12:21:55
